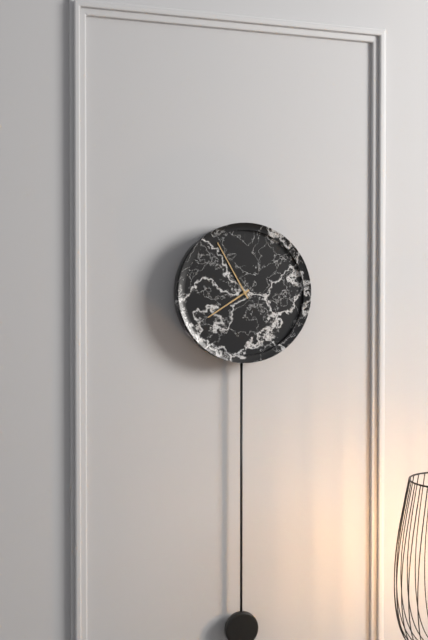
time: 7:55
